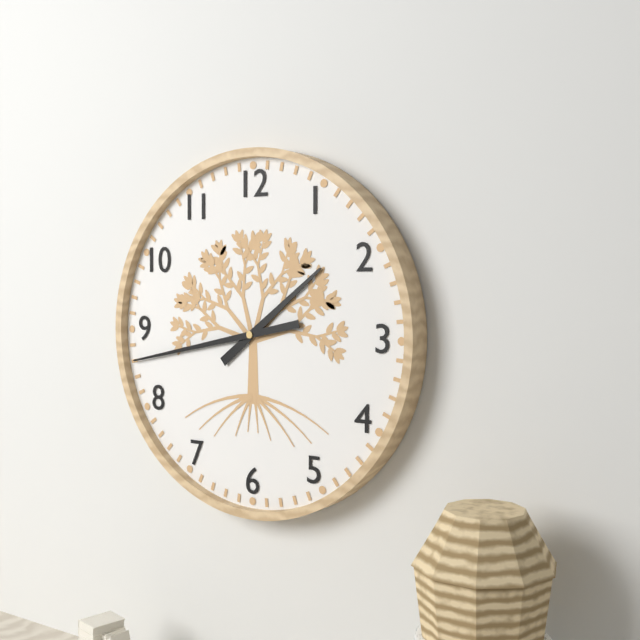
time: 1:43
